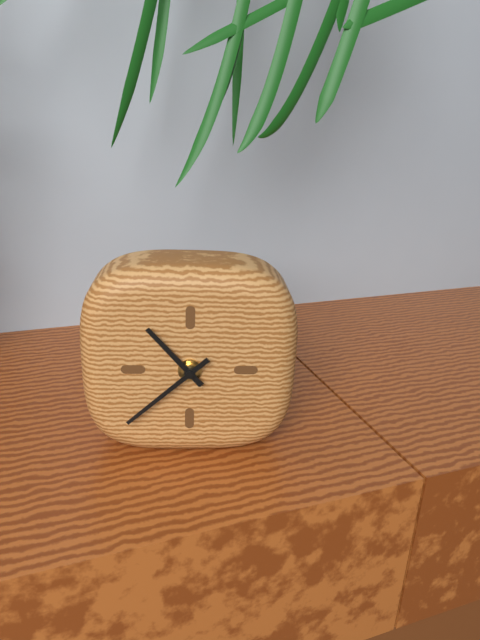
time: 10:38
